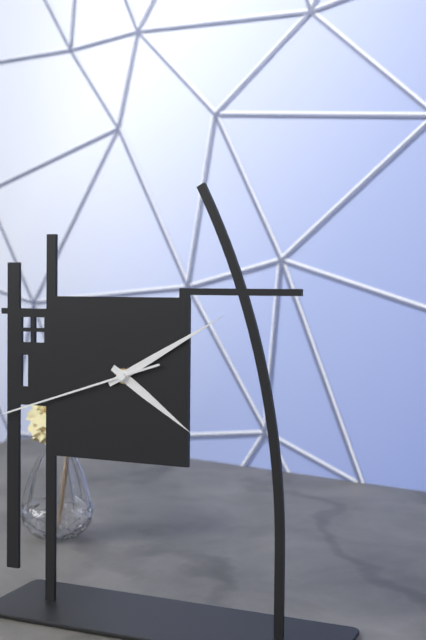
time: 4:10:42
